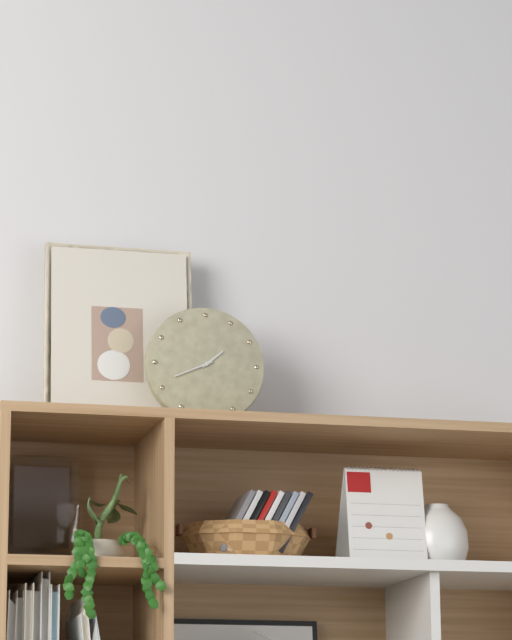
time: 1:41
